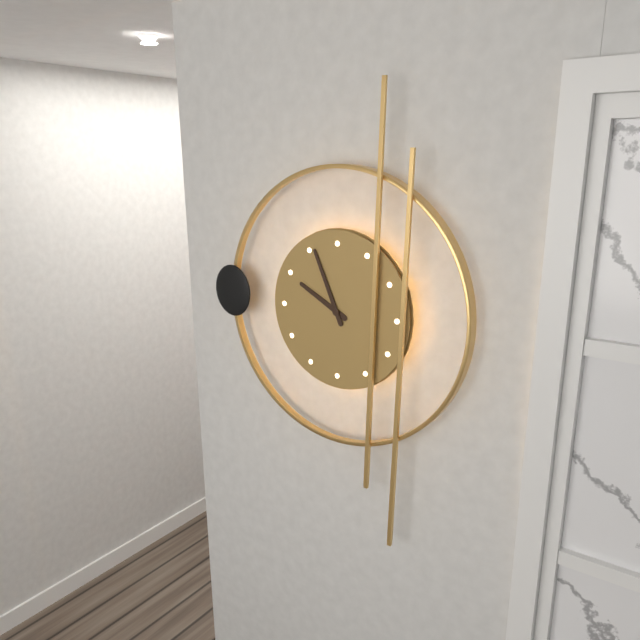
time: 9:56
